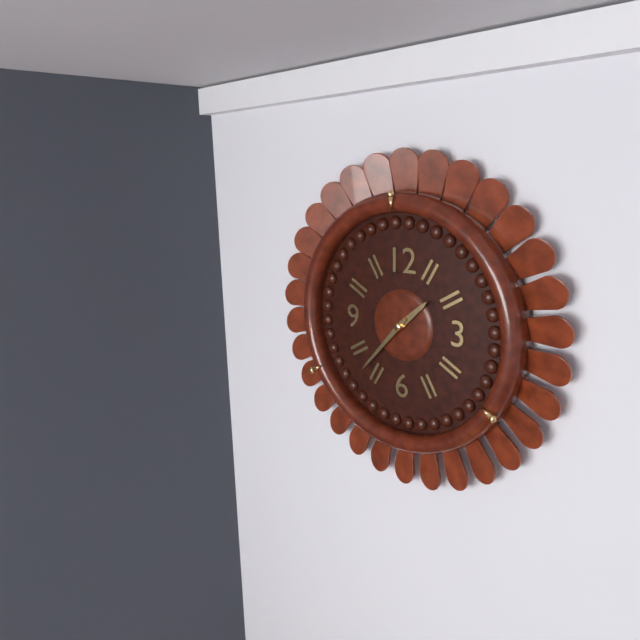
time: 1:37
